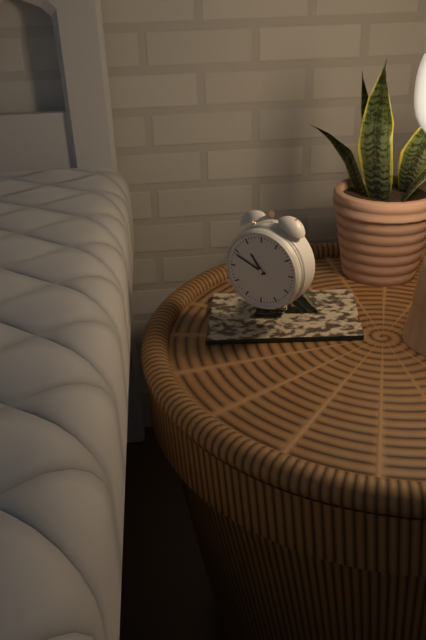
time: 10:49
